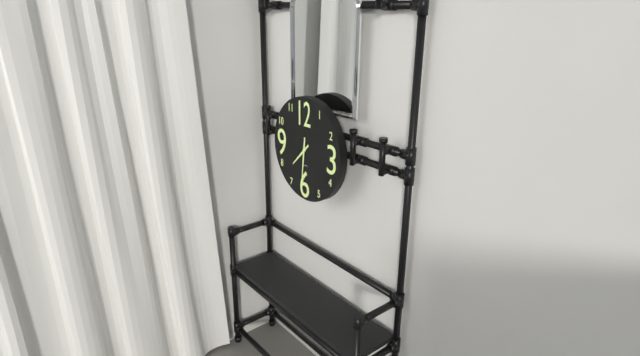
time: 7:31
